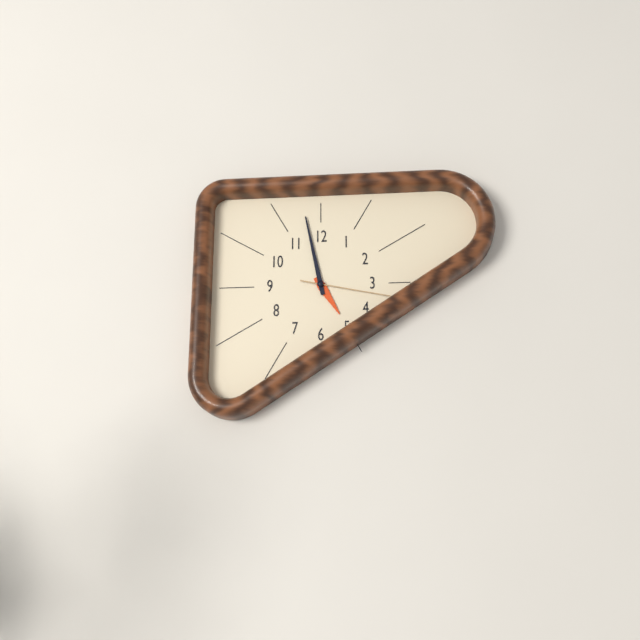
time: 4:58:17
